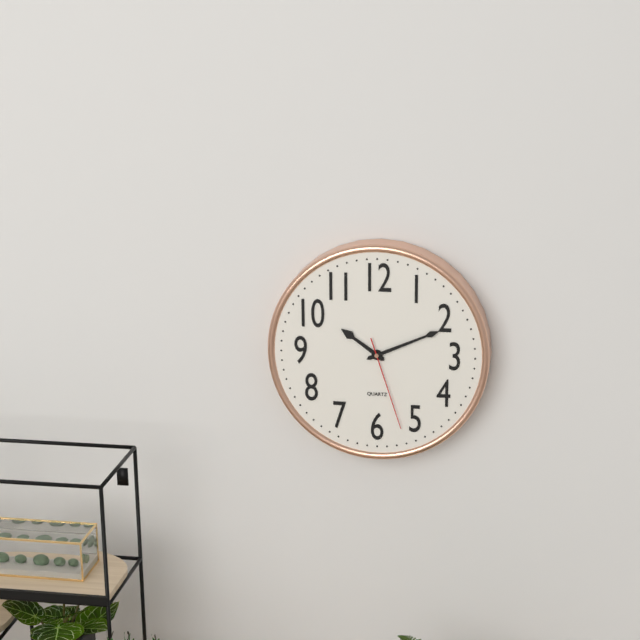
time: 10:11:27
